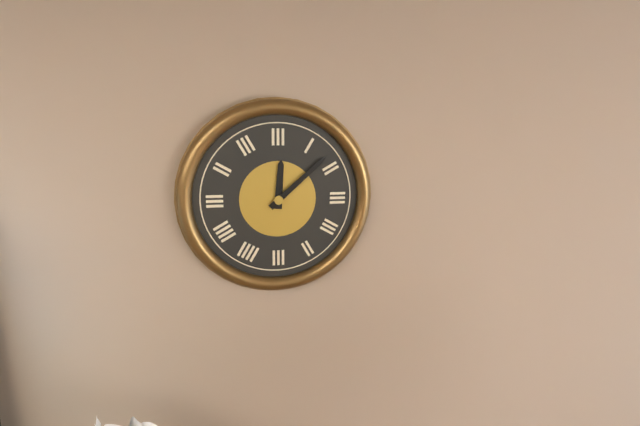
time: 12:08
